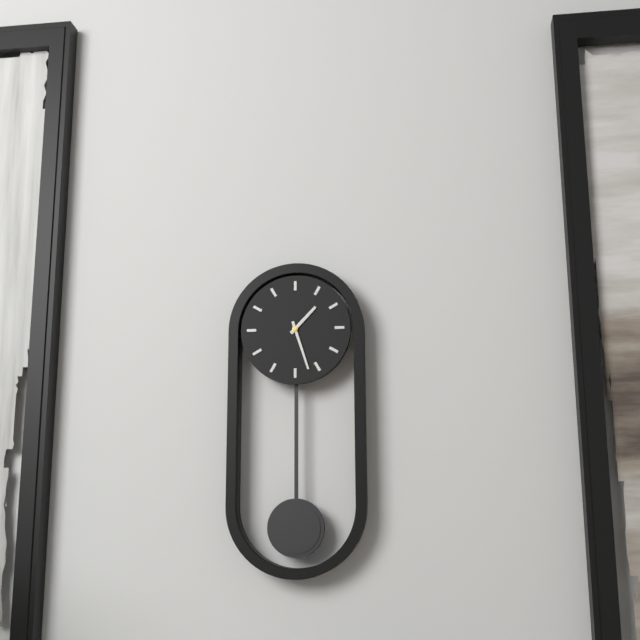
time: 1:27
